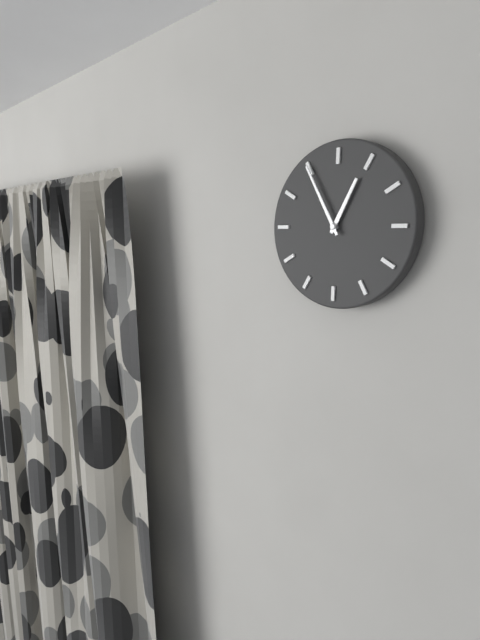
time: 12:55
